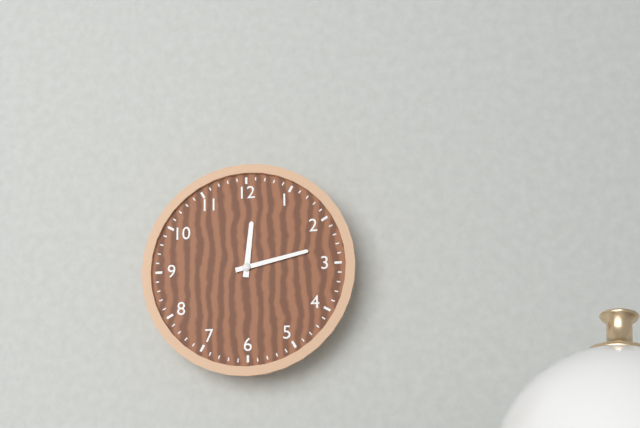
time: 12:13
